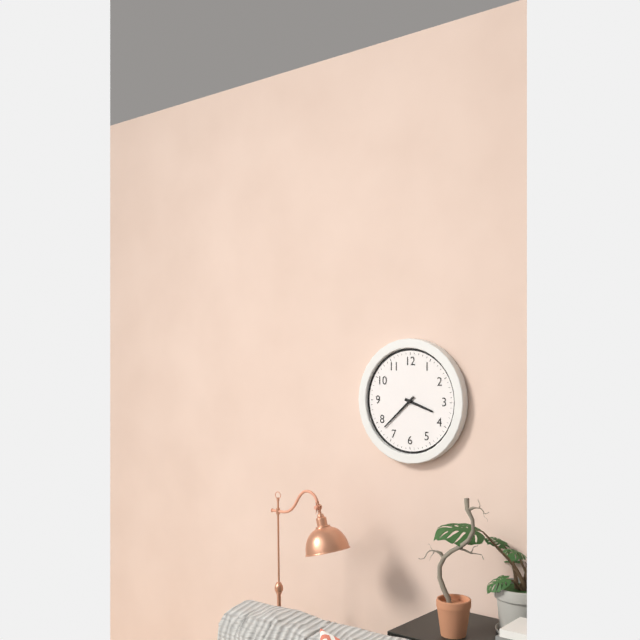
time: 3:38
